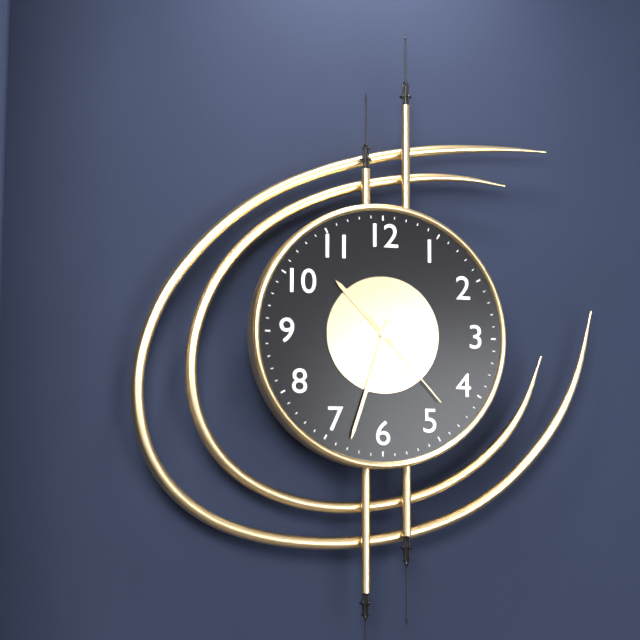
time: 10:33:23
